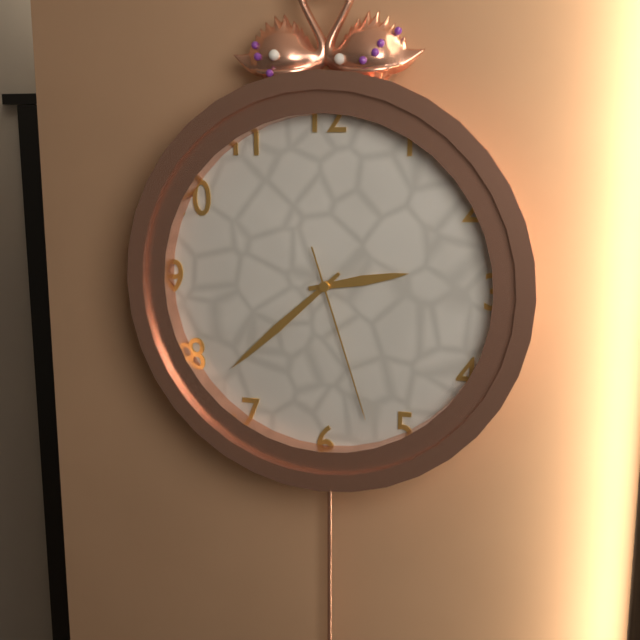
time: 2:38:27
